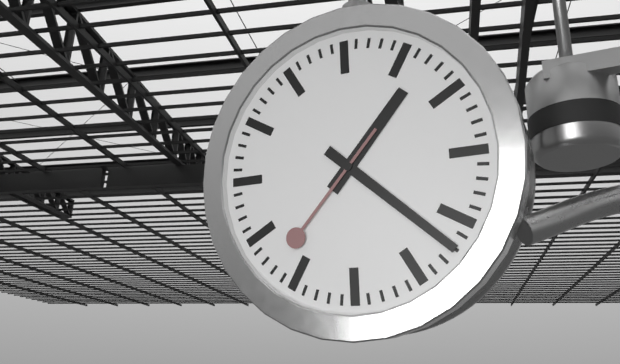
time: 1:22:37
